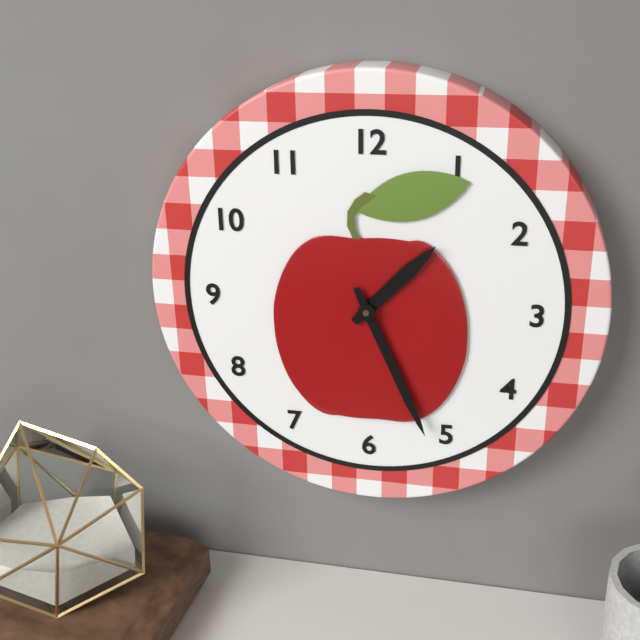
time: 1:26
